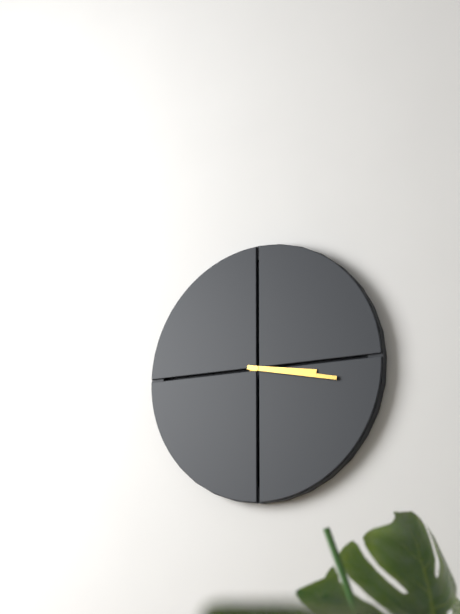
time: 3:17
